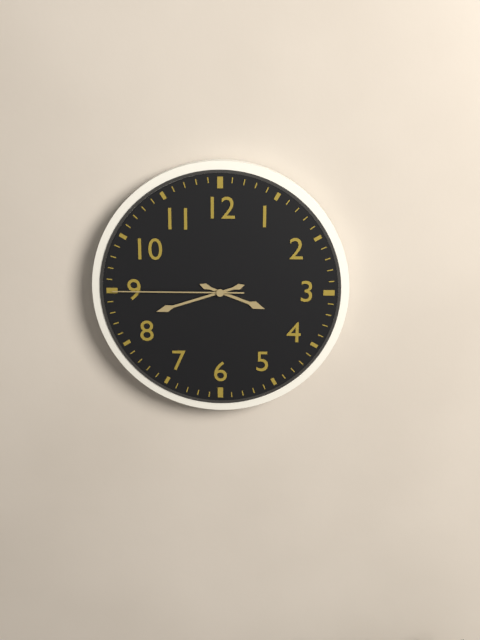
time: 3:42:45
